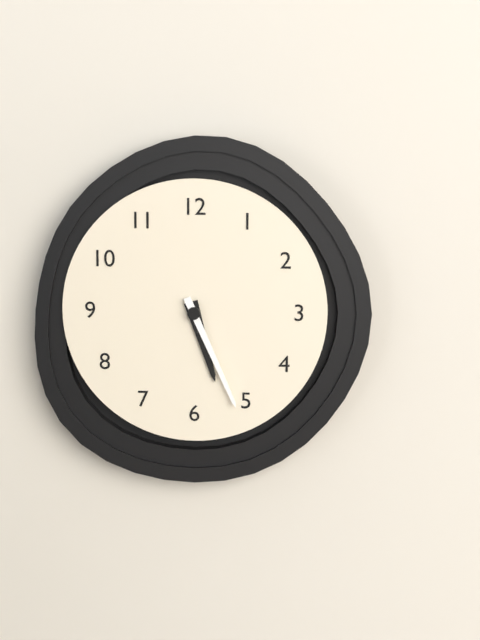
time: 5:26
